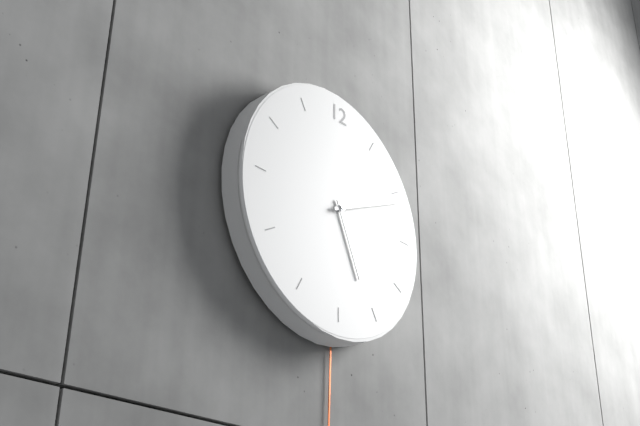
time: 5:11
